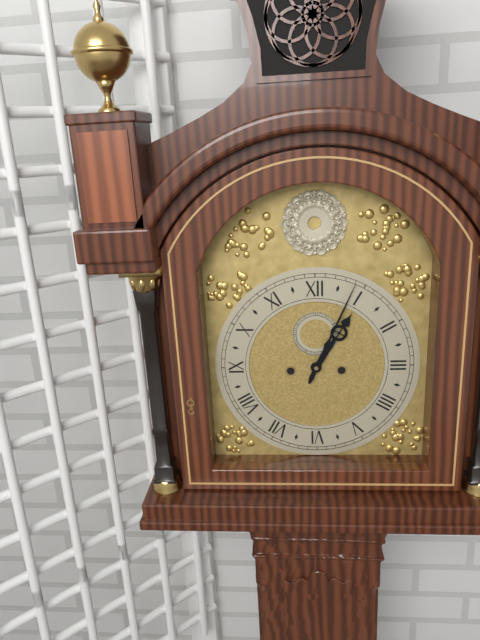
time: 1:04
